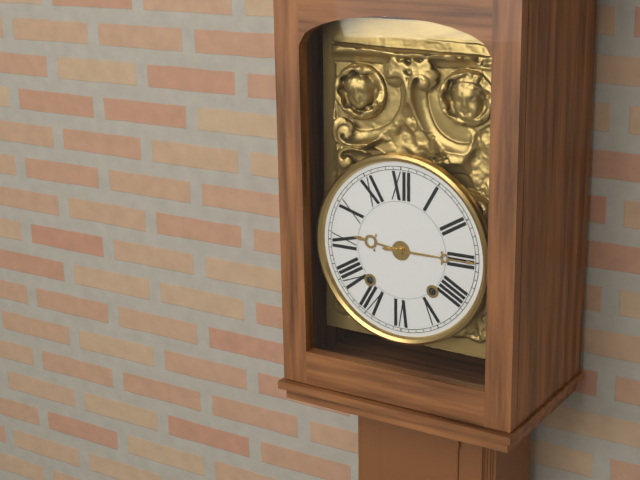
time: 9:15
